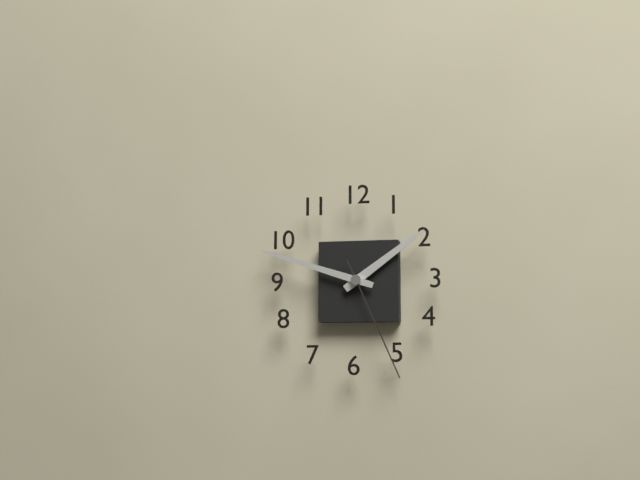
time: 1:48:26
